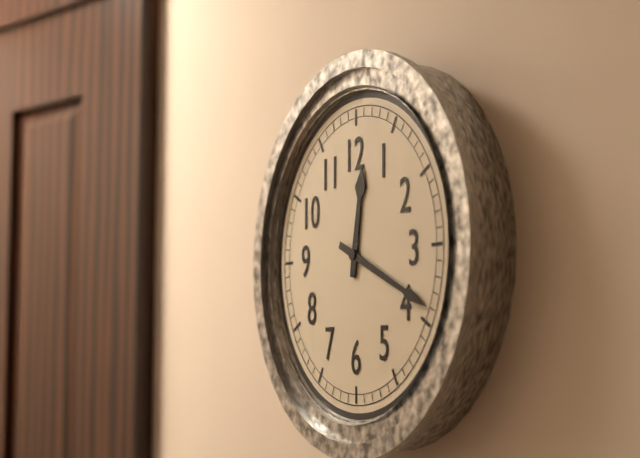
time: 12:19
